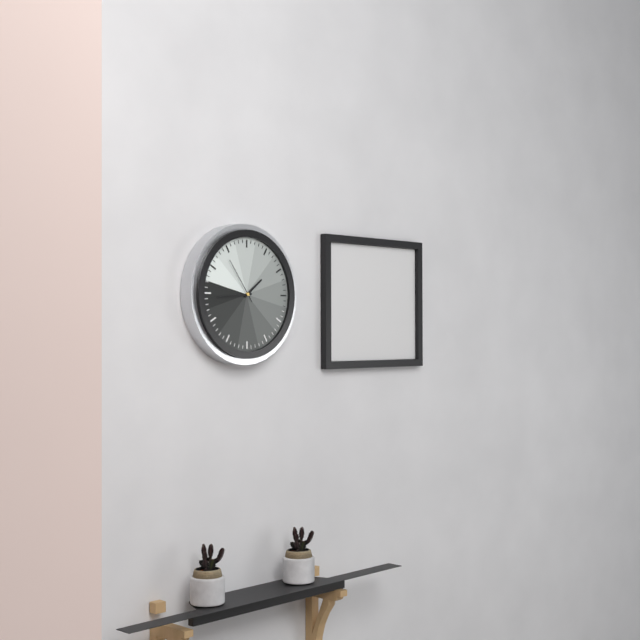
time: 1:44
